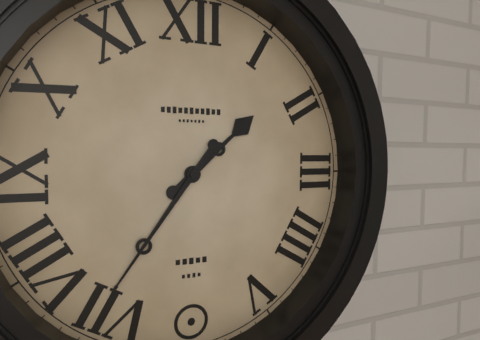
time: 1:36
